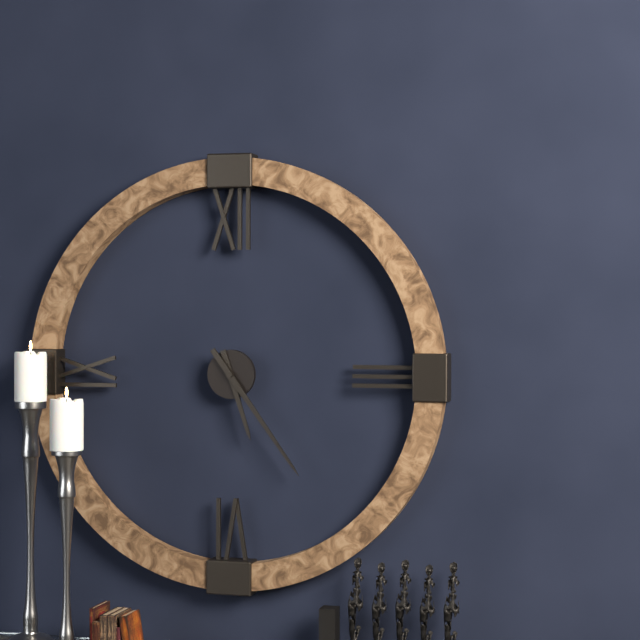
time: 5:24
